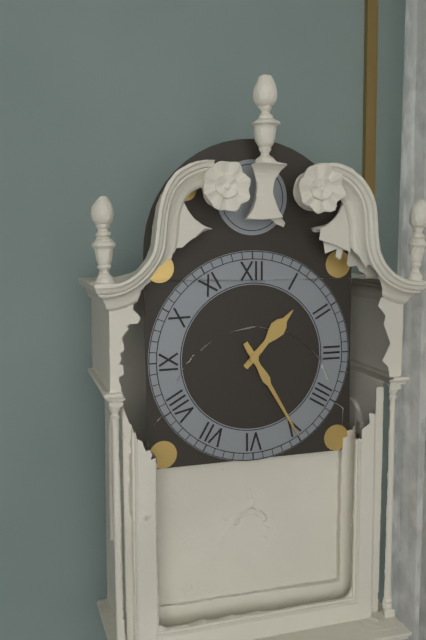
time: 1:25
